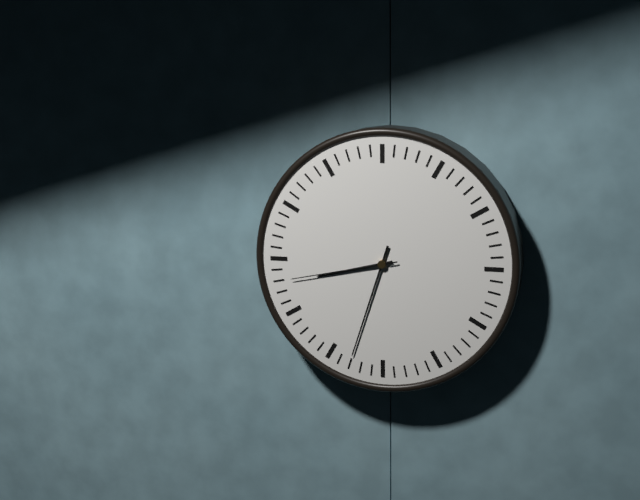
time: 8:33:43
